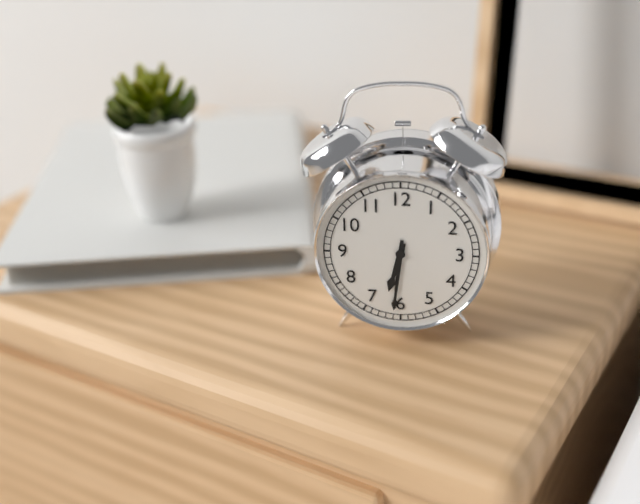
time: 6:31
